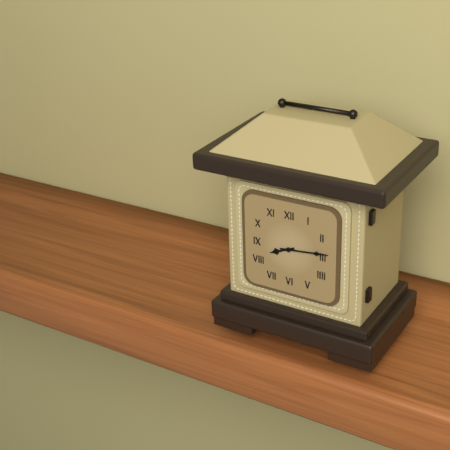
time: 8:14
